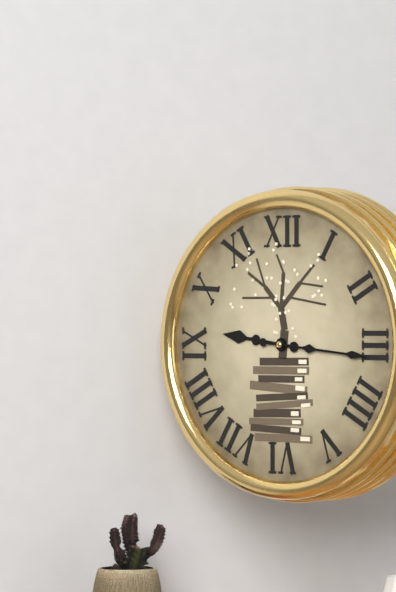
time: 9:16
